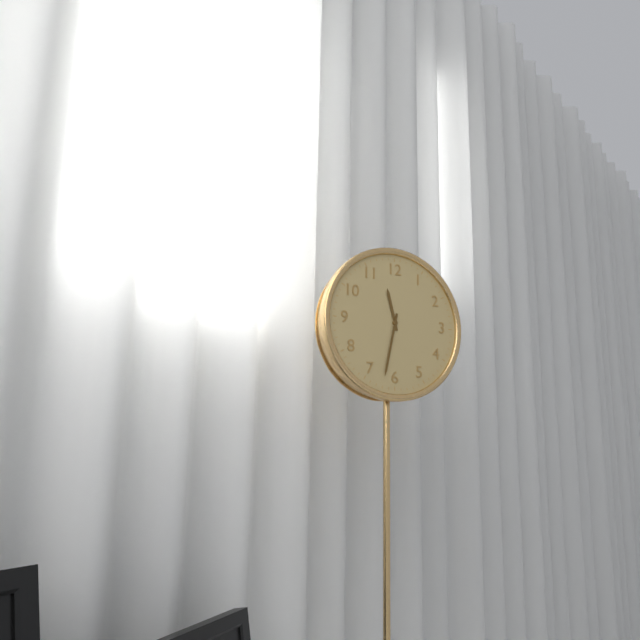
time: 11:32
